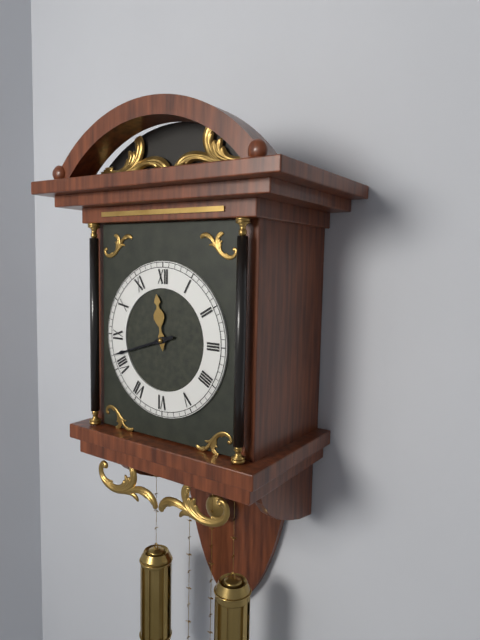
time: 11:42
